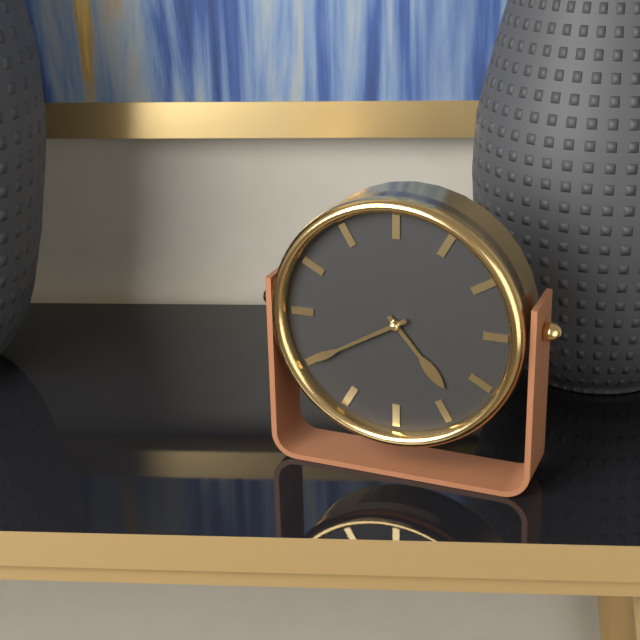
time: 4:40
